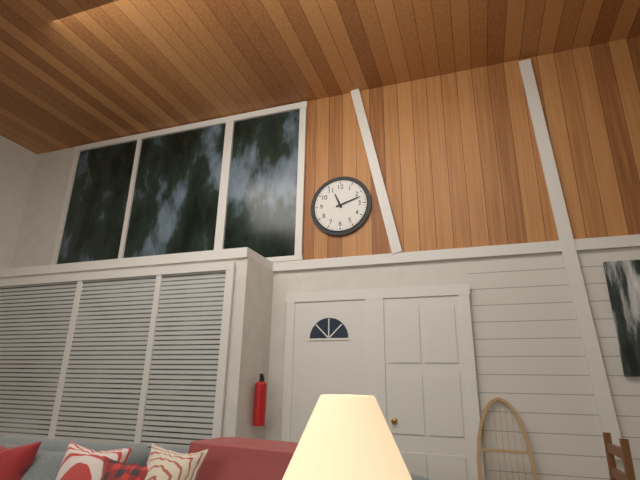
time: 11:12
